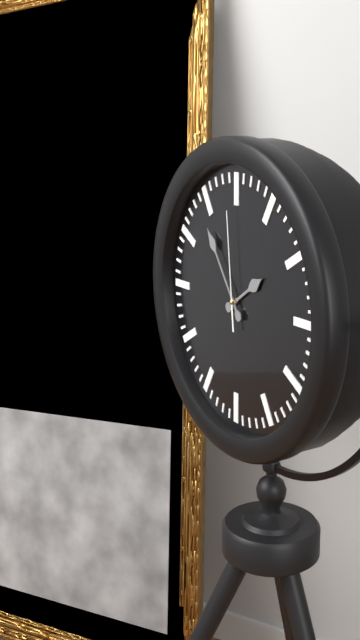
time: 1:54:59
